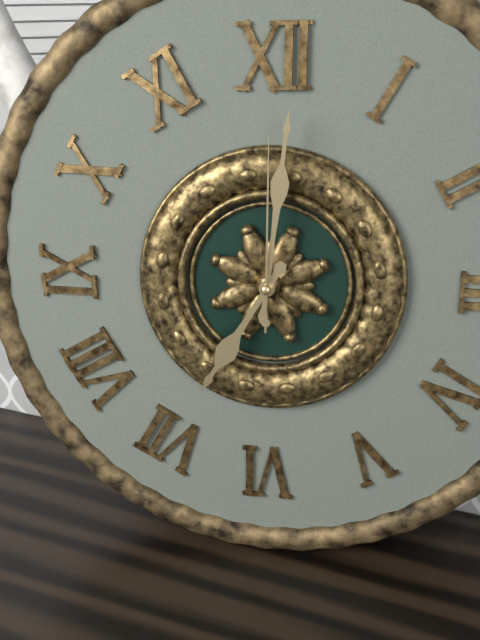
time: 7:01:00
